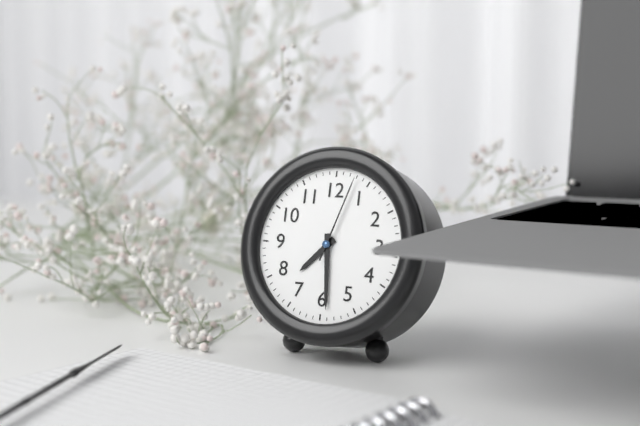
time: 7:29:03
